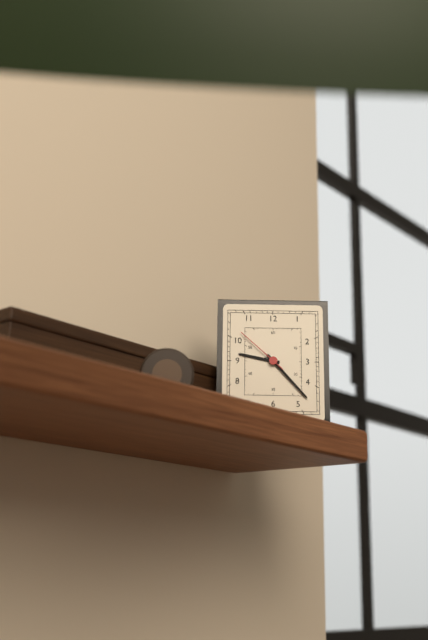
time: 9:23:52
